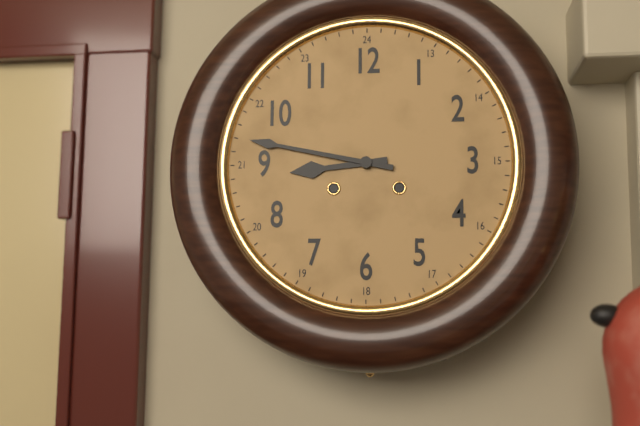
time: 8:47
